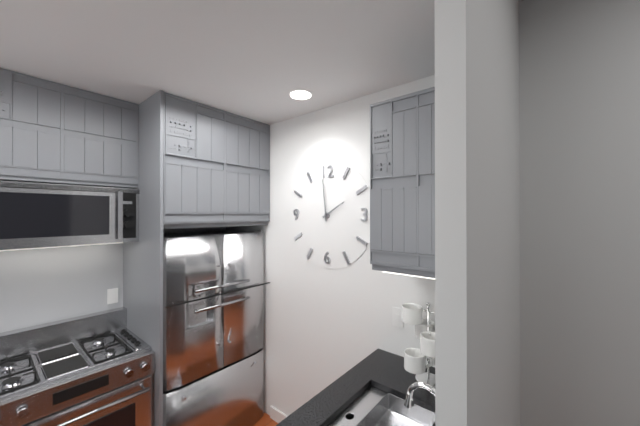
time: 1:59
